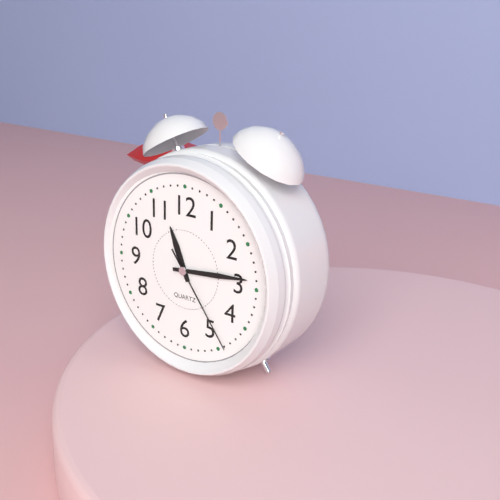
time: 11:14:24
